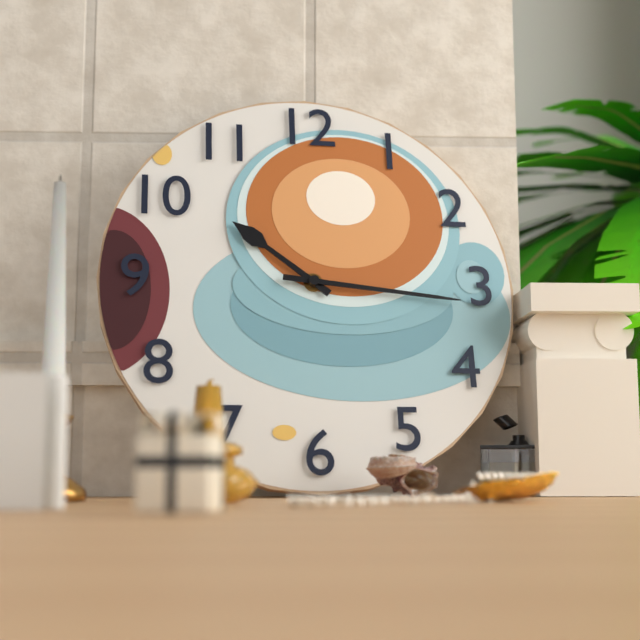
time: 10:16
